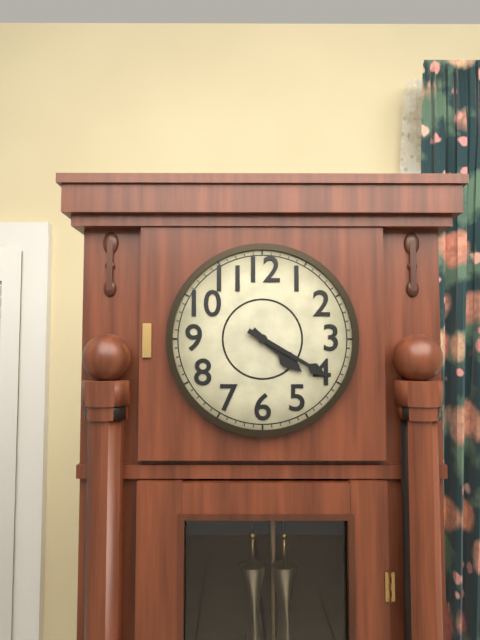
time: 4:20
